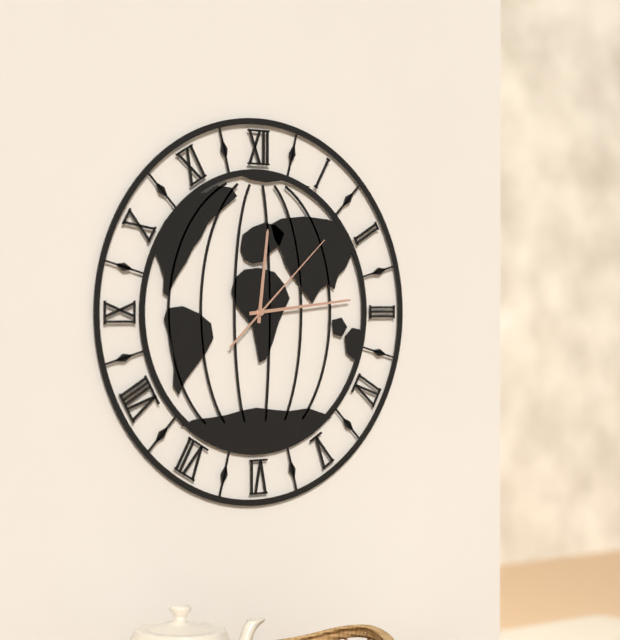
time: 12:14:08
